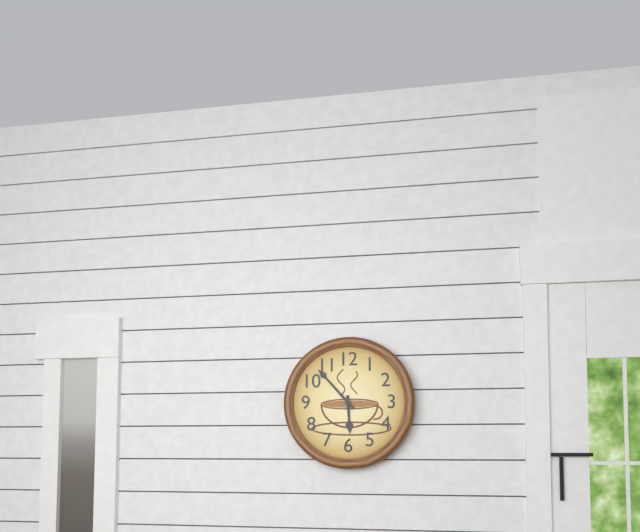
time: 5:53
